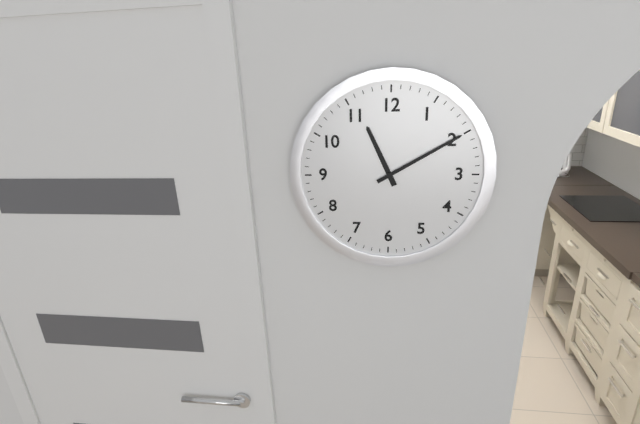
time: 11:10
